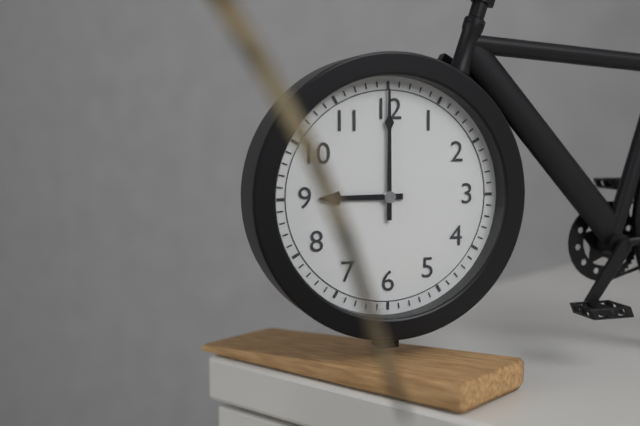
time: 9:00
